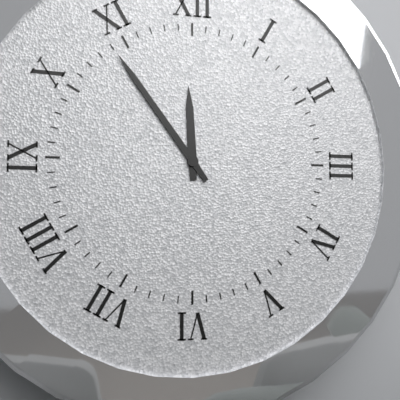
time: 11:54
